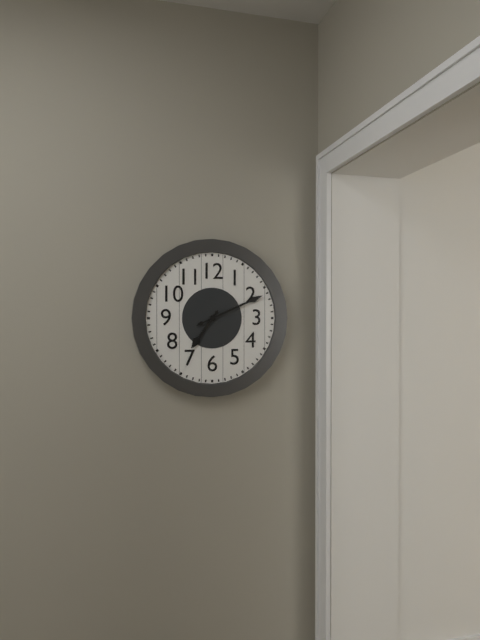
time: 7:11
